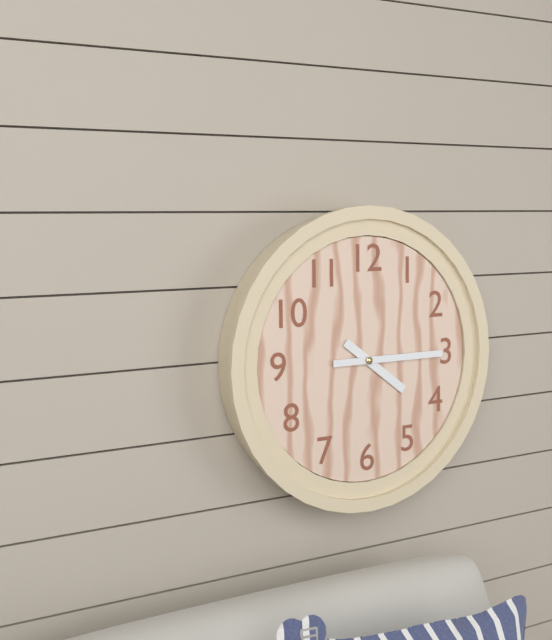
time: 4:15
